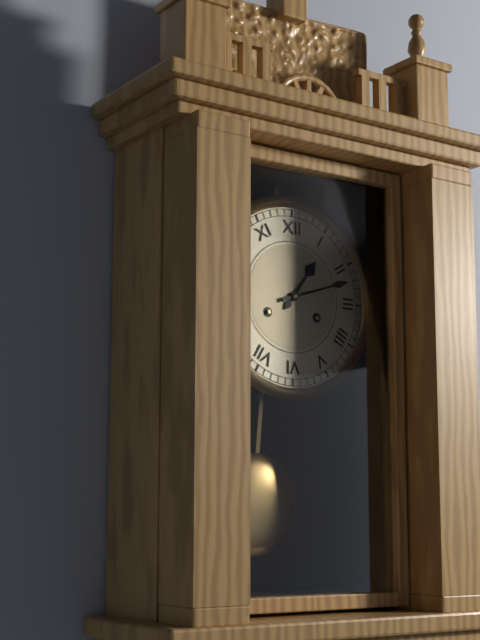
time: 1:12
